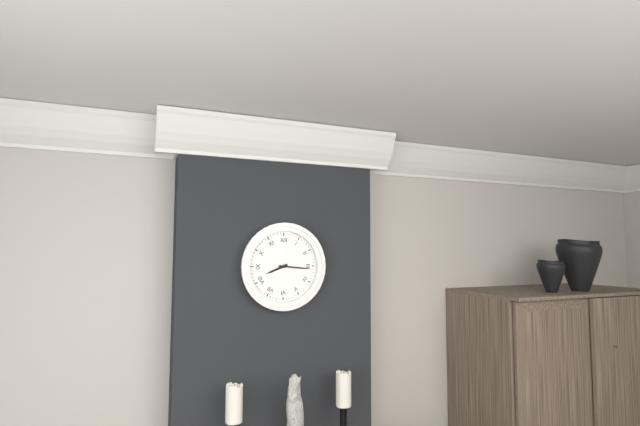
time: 8:16
